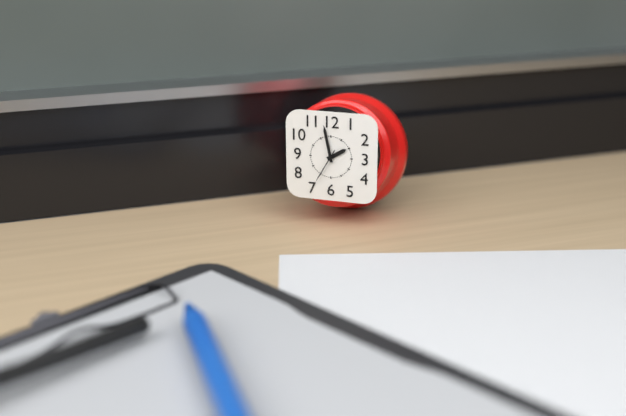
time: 1:58
